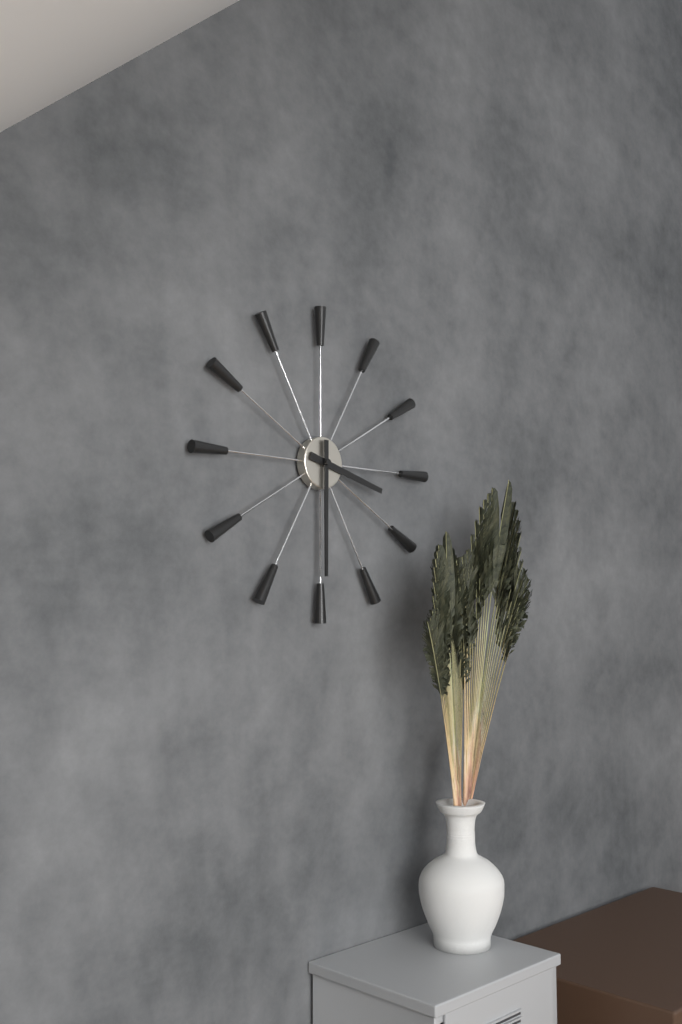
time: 3:30
